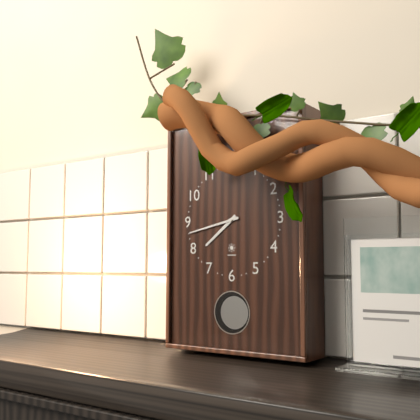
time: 7:43
